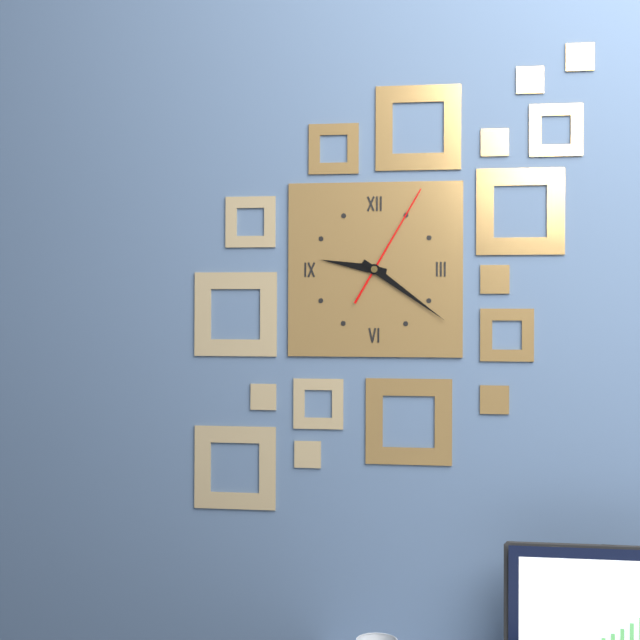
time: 9:21:05
